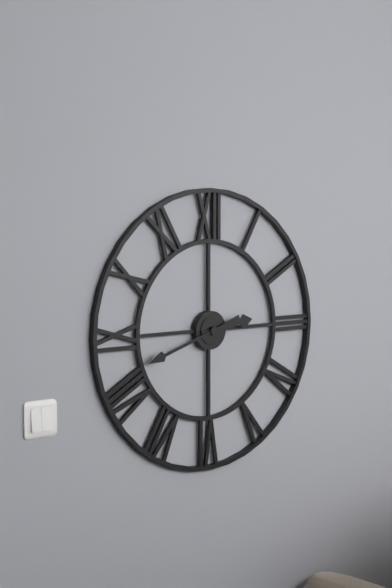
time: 2:42
